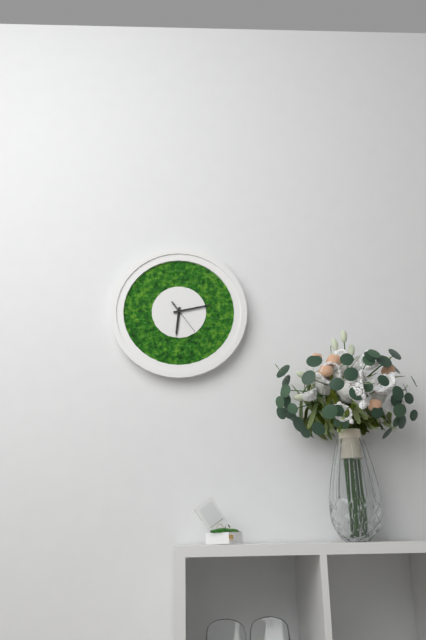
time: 6:13
